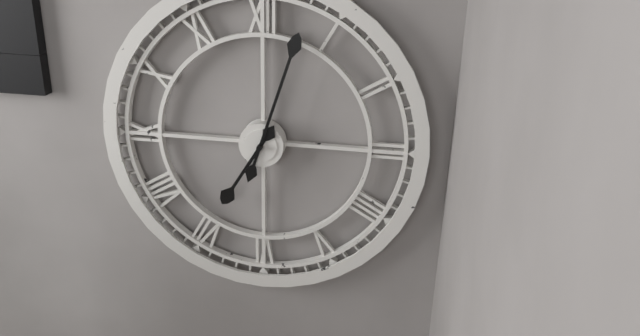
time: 7:03
